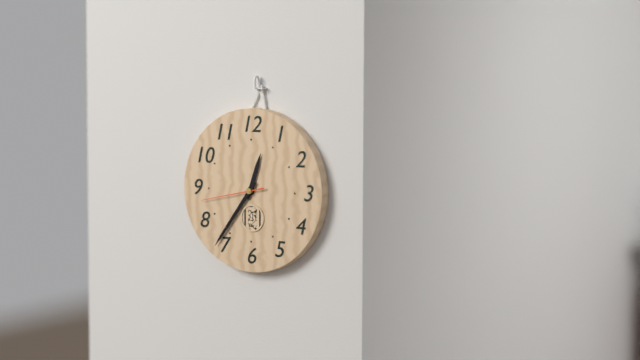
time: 12:36:43
